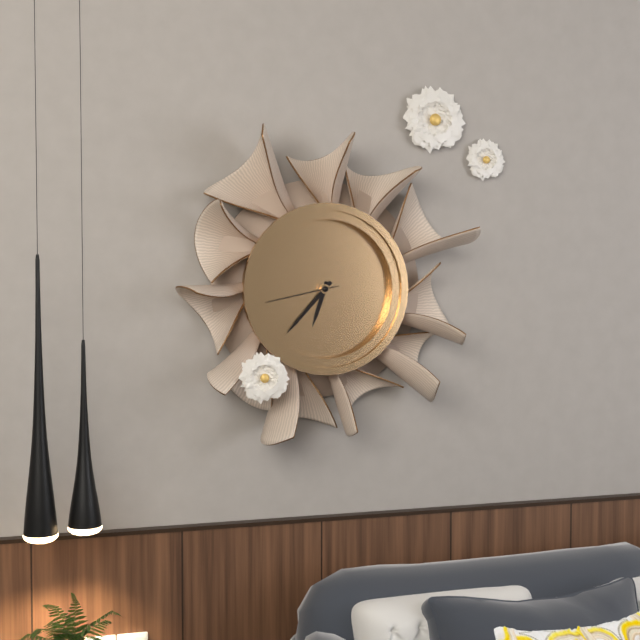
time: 6:37:43
